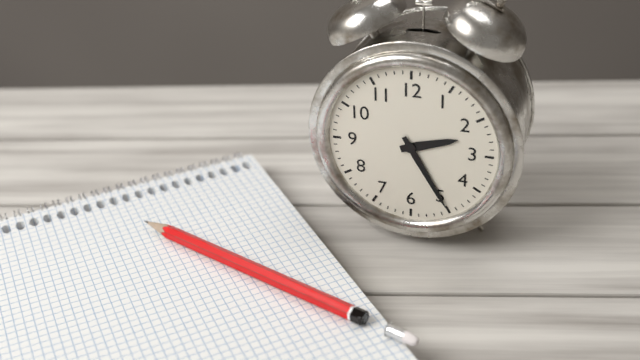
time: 2:25
